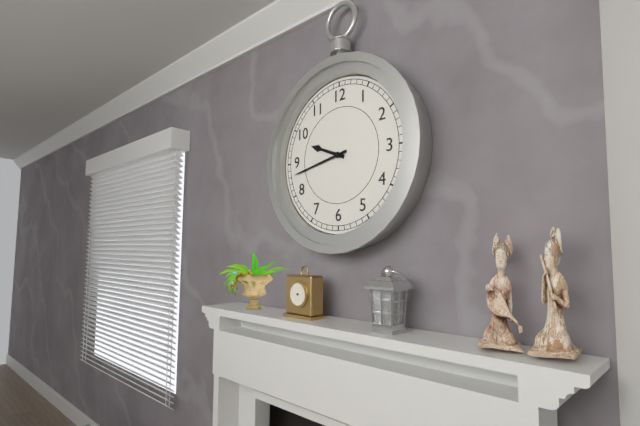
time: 9:43
